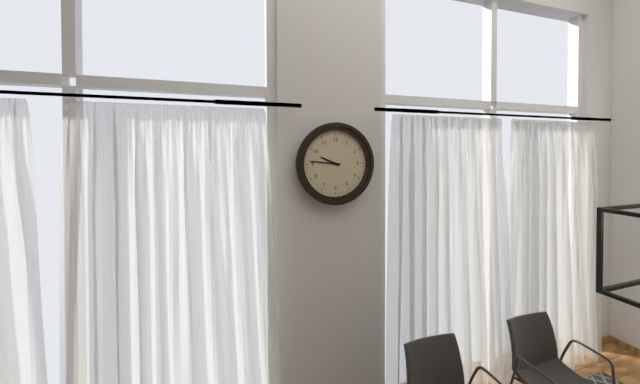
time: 9:46
